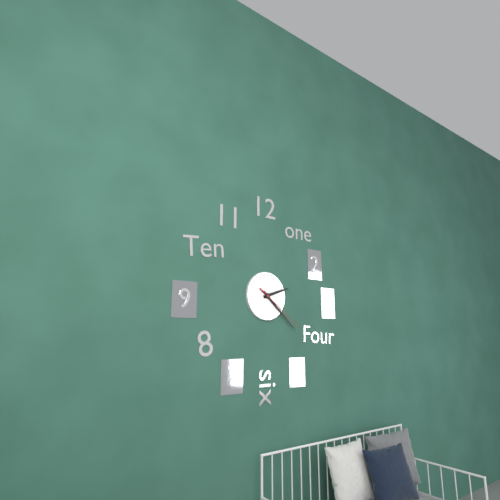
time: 2:22:21
